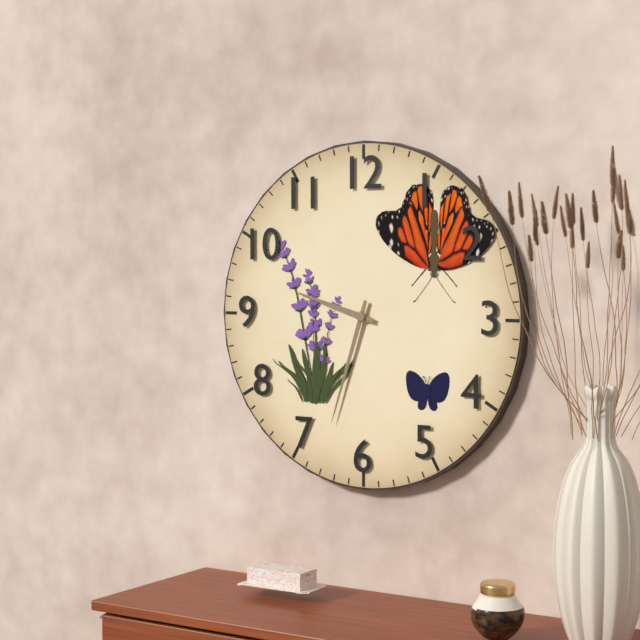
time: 9:33
